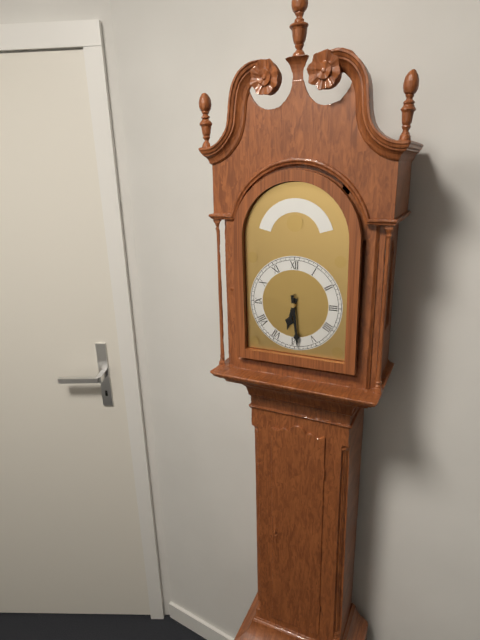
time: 6:29
